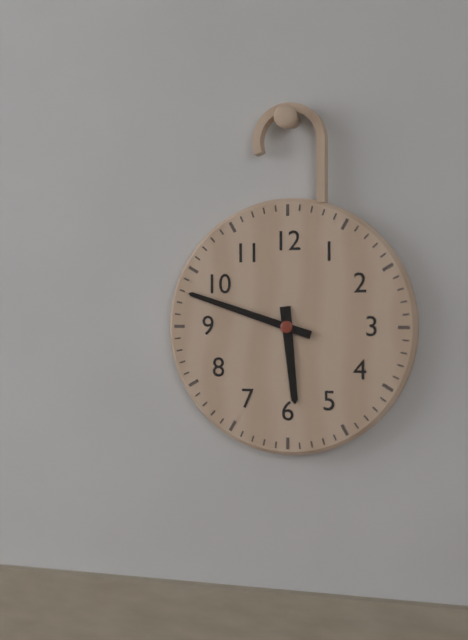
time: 5:48
